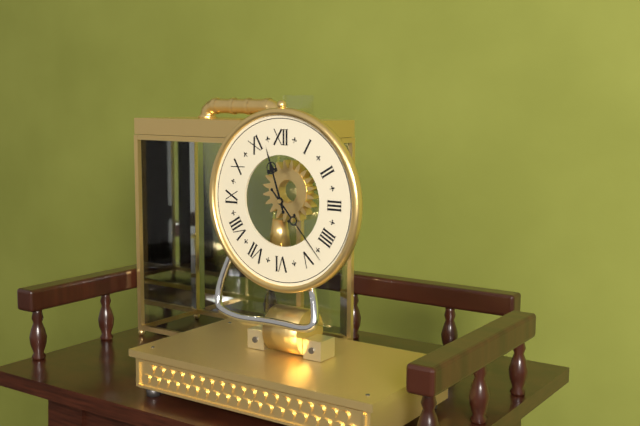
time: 11:23
